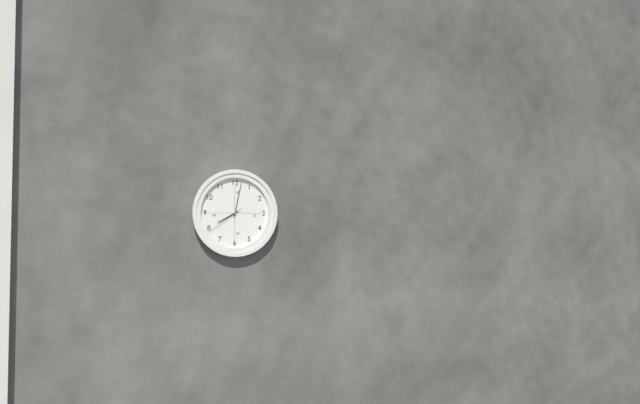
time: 8:02
